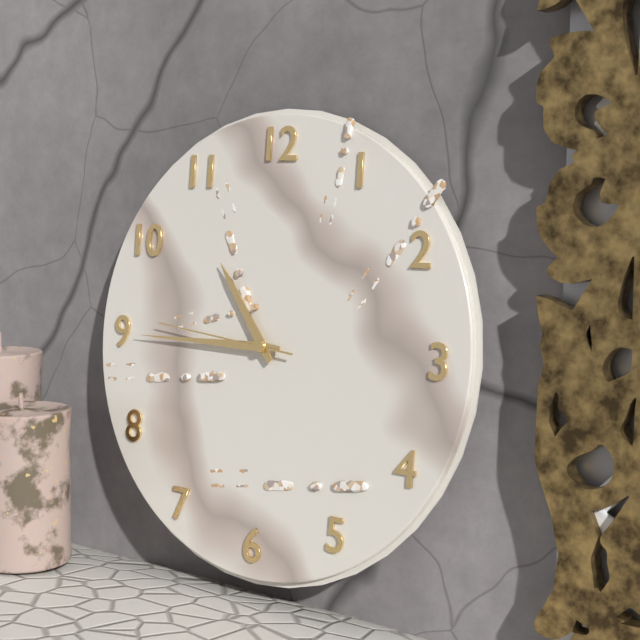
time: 10:45:46
